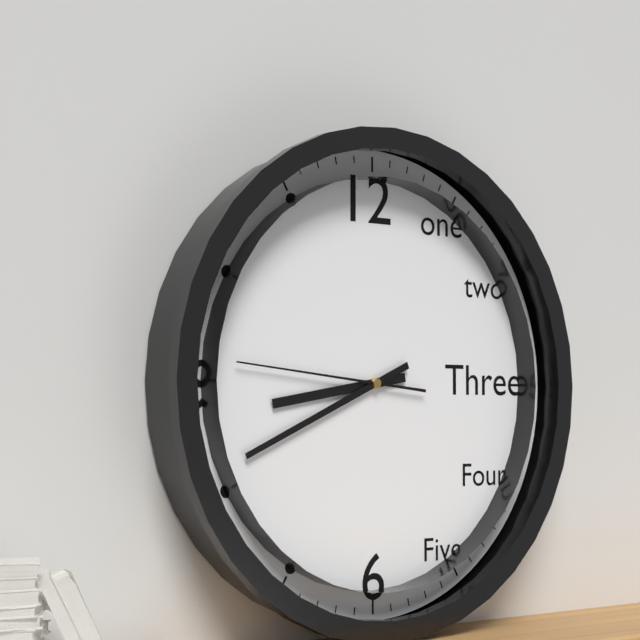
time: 8:41:46
